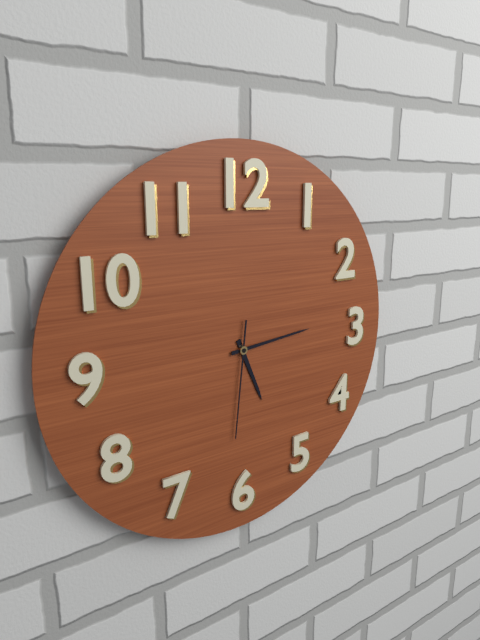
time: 5:14:31
